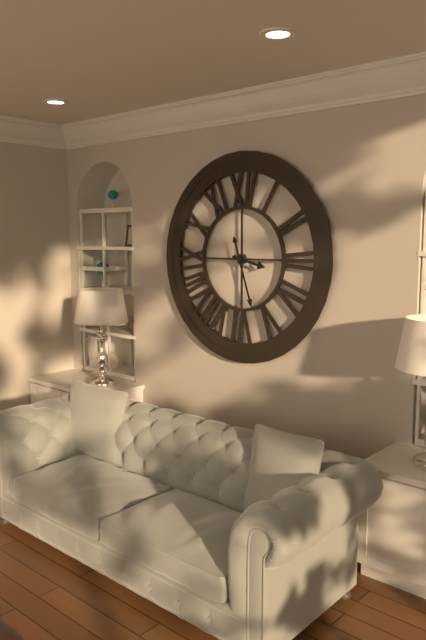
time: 3:27
